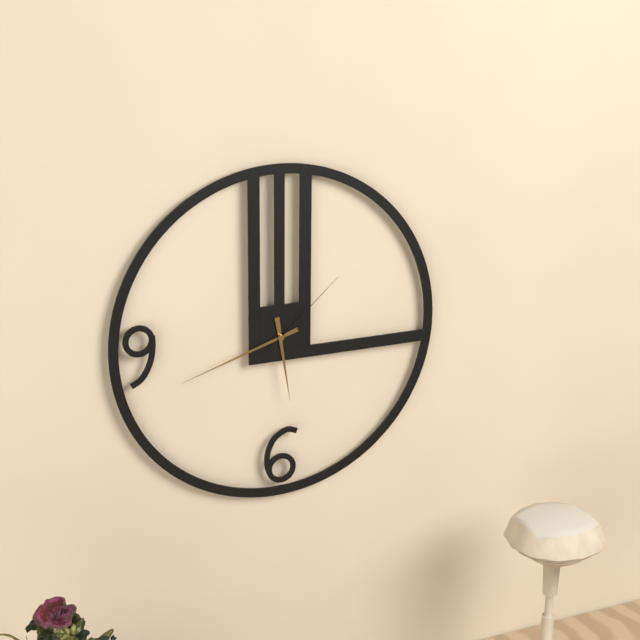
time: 5:42:08
